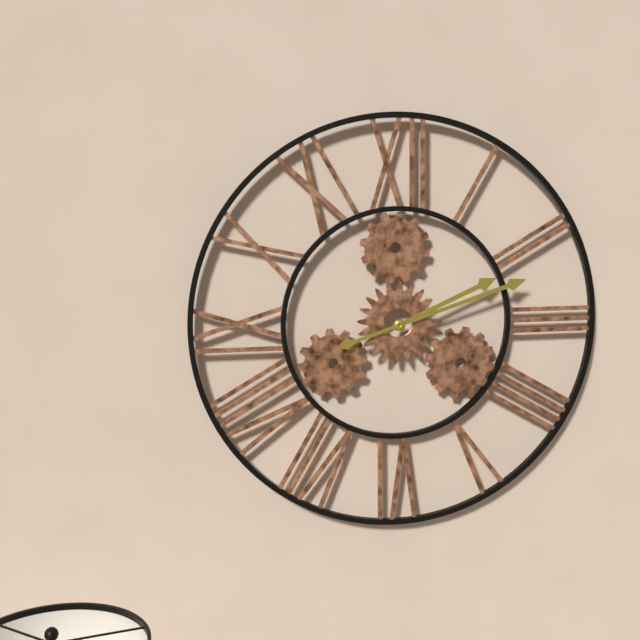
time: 2:12
